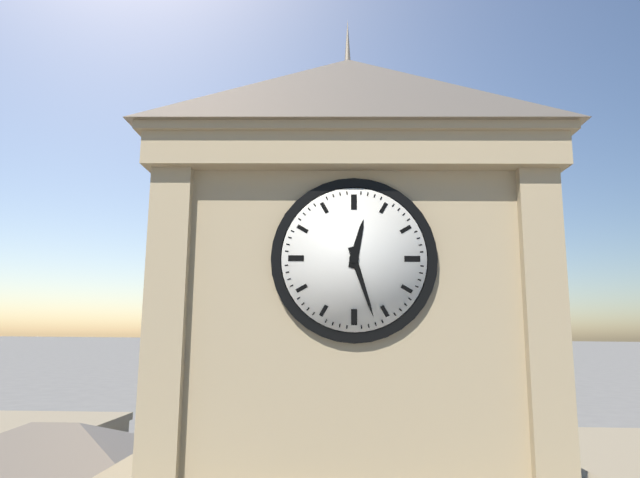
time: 12:27
